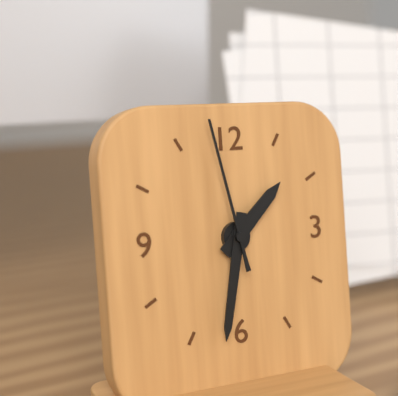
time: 1:32:58
